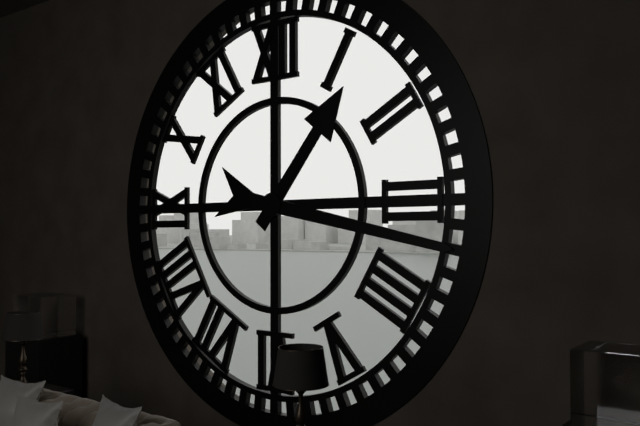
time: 1:17
